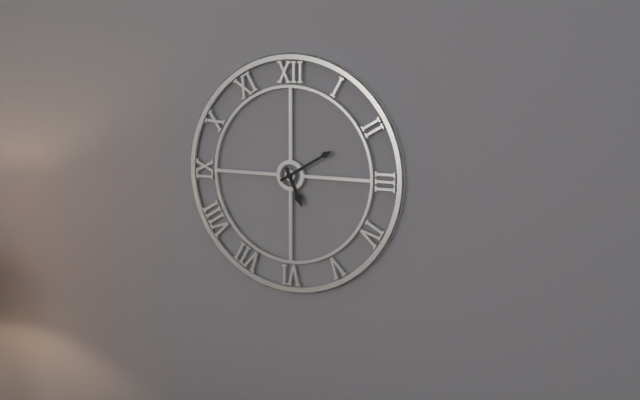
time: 5:10
